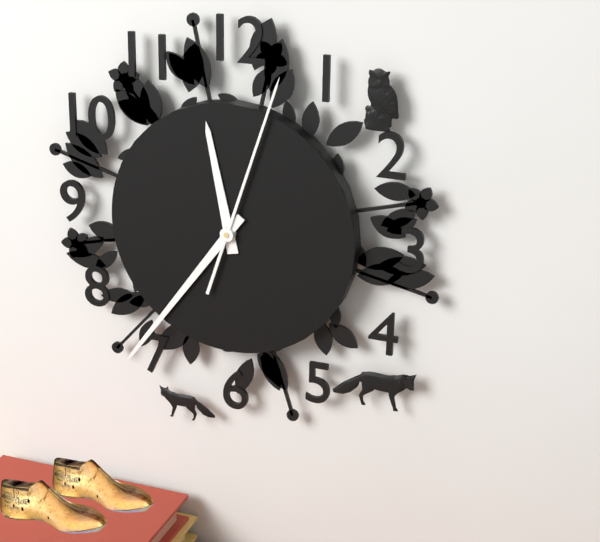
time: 11:36:03
